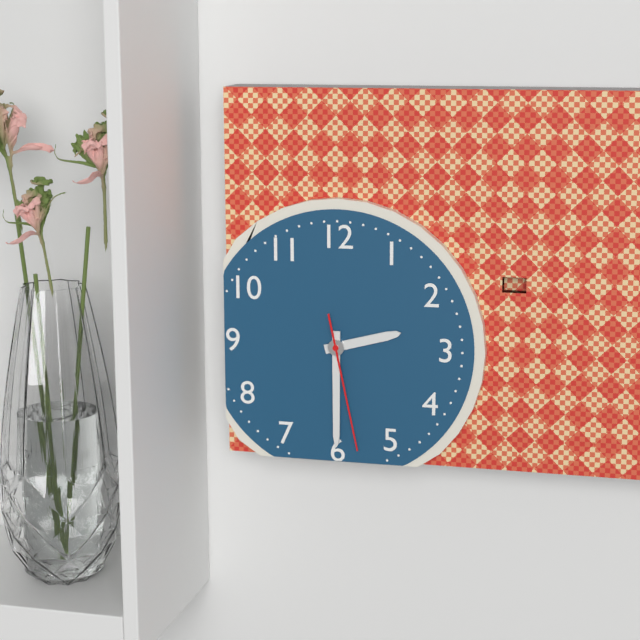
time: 2:30:28
